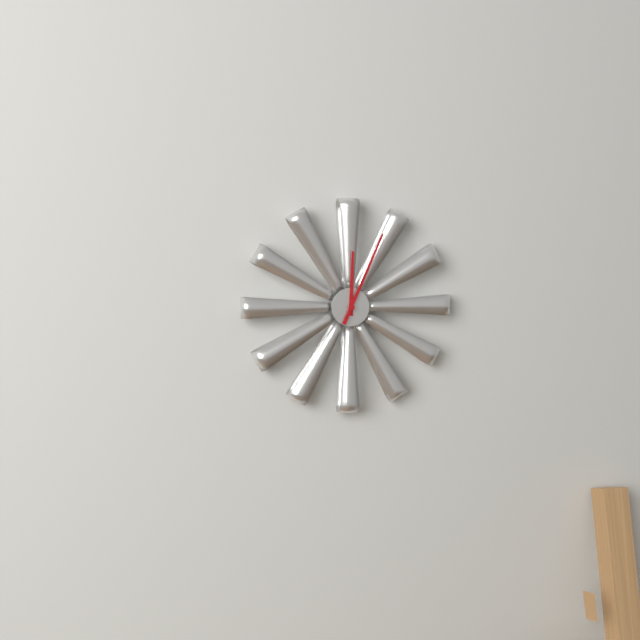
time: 12:04
